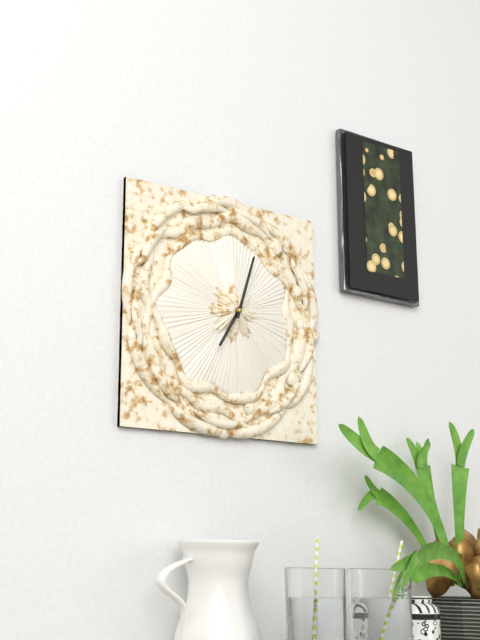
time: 7:03
